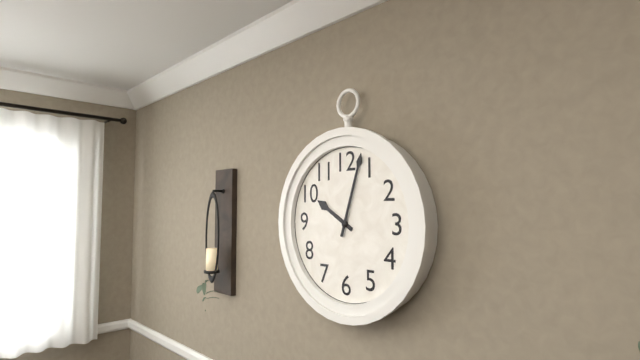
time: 10:03
